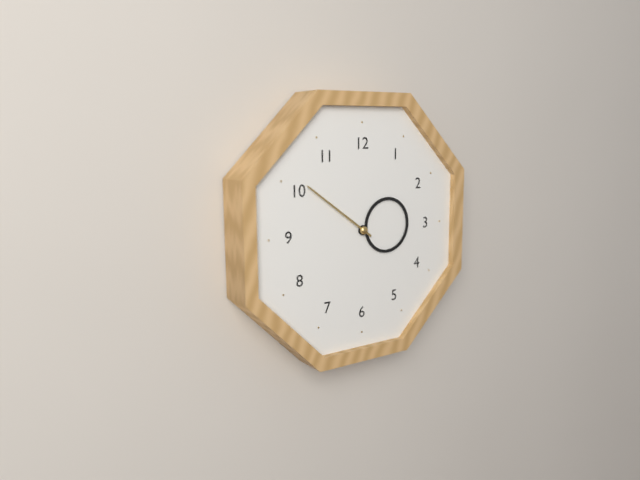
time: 2:51
